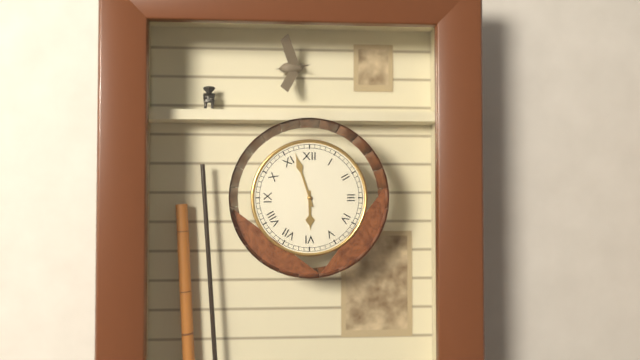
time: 5:57
